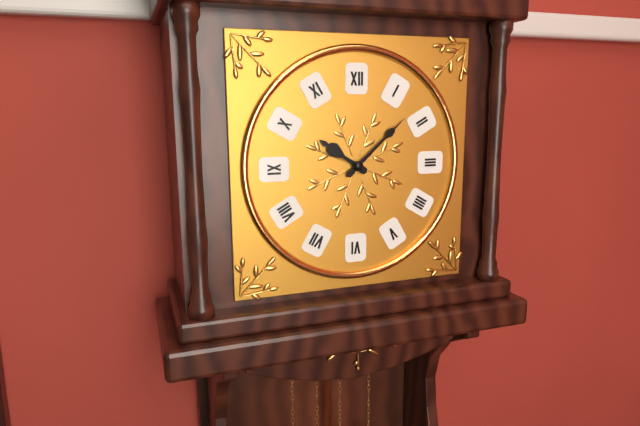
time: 10:08
